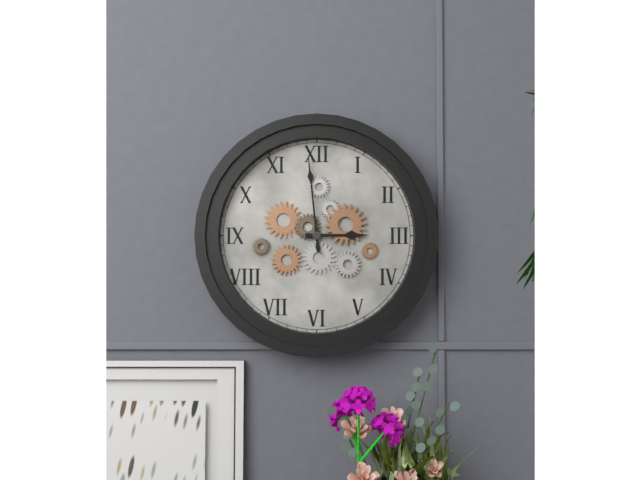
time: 2:59
